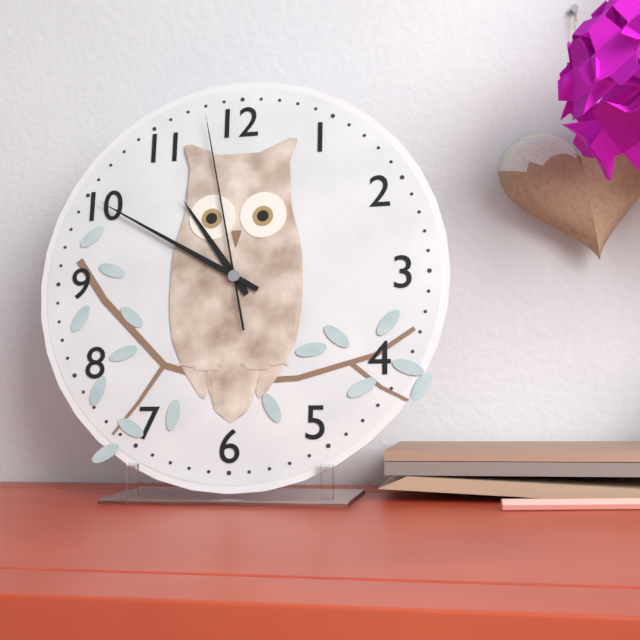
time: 10:50:58
